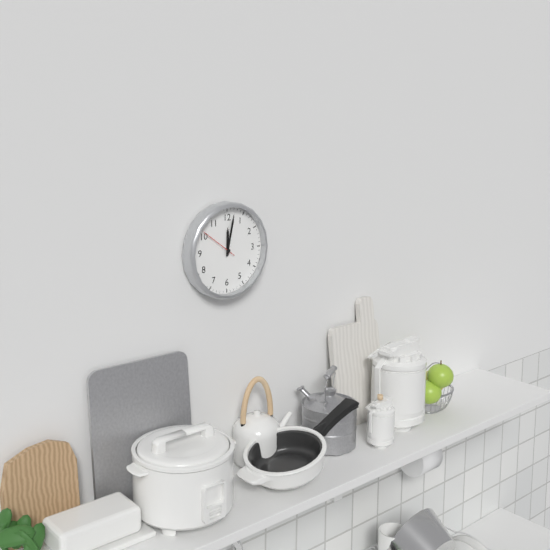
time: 12:02
